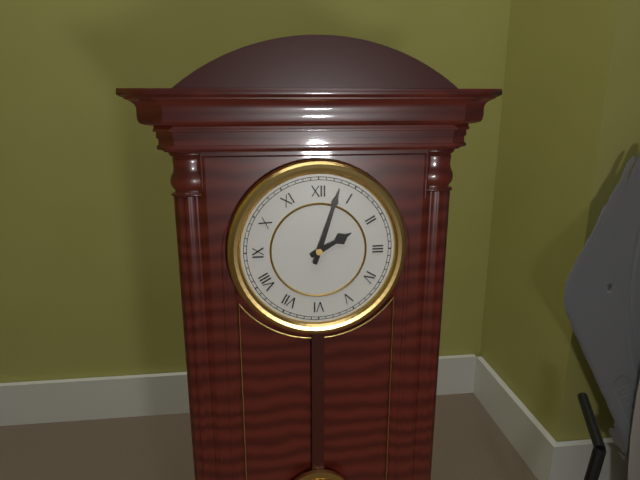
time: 2:03
